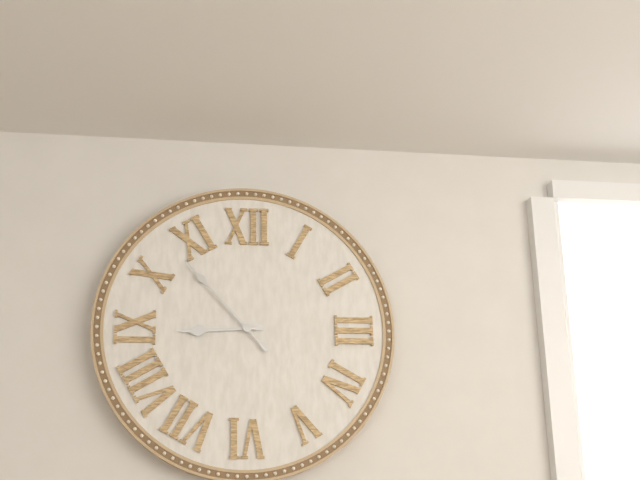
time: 8:53
